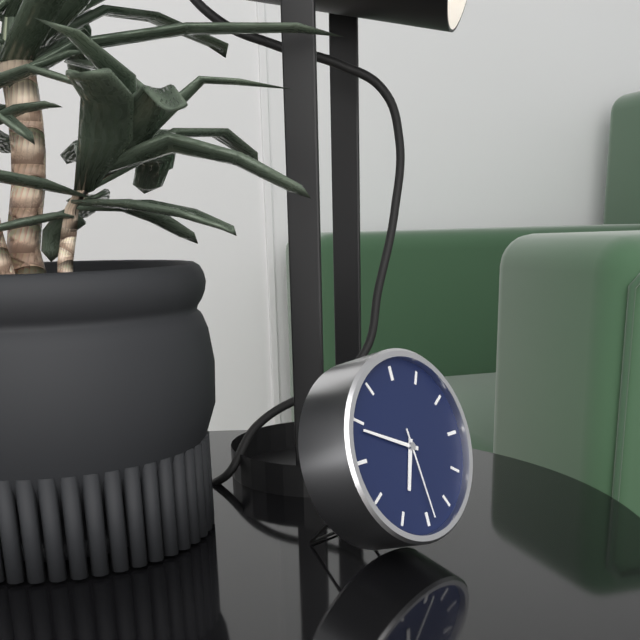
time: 6:49:29
